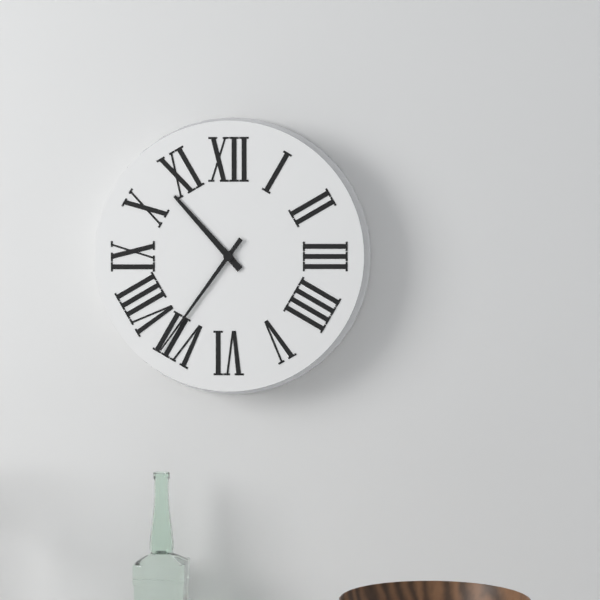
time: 10:36
